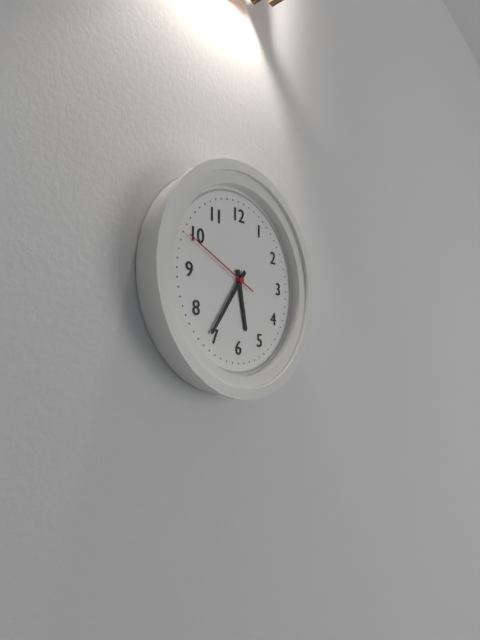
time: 5:36:49
